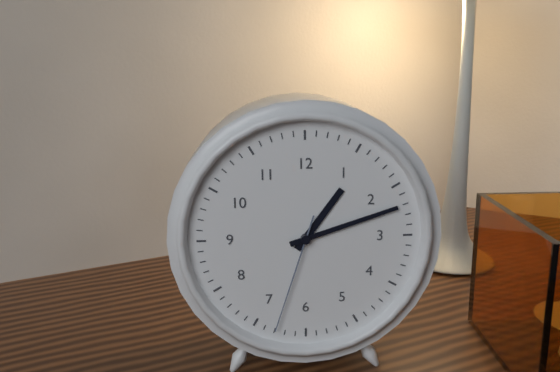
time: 1:12:33
